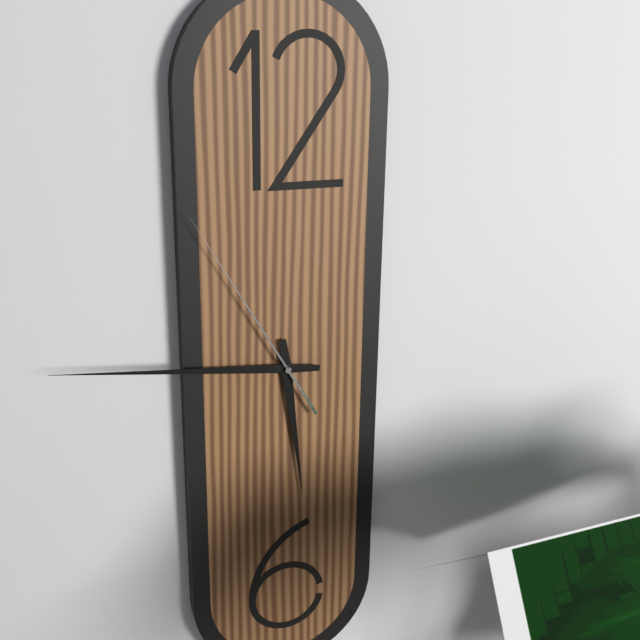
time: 5:46:55
